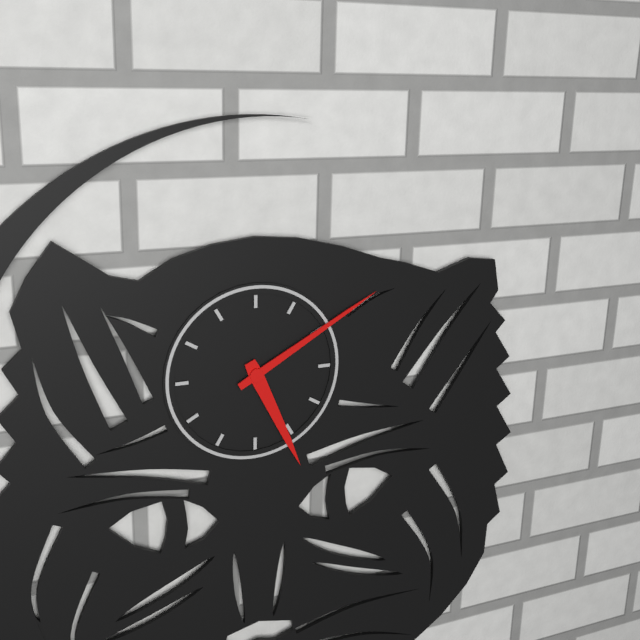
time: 5:10
